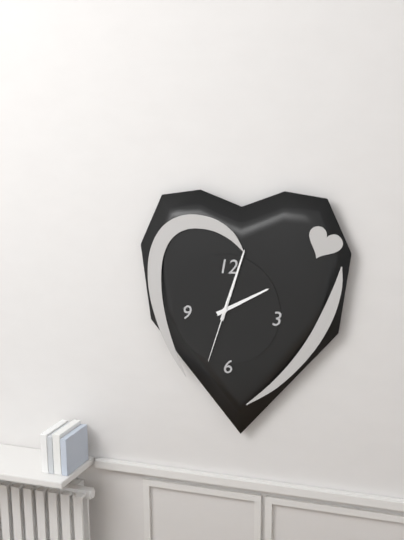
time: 2:03:33
